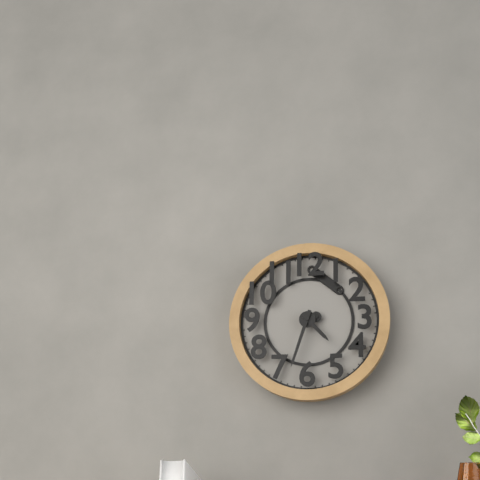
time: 4:33
